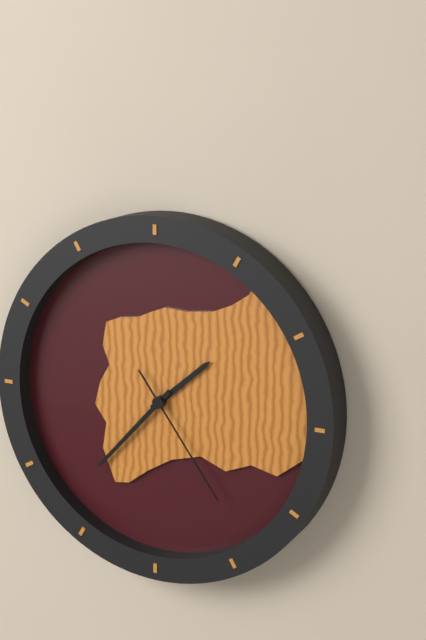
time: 1:37:24
